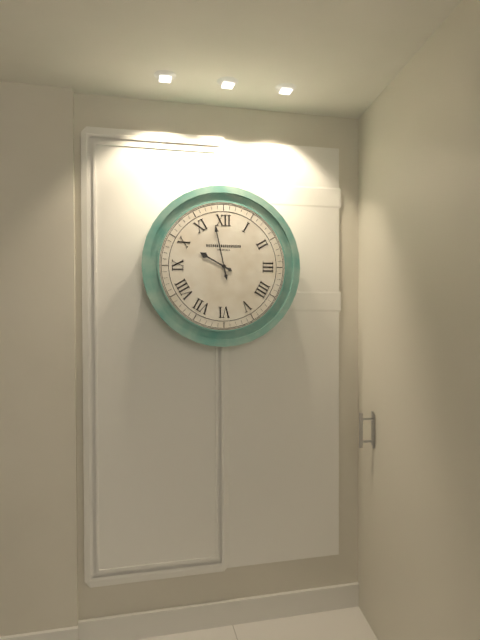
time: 9:58
